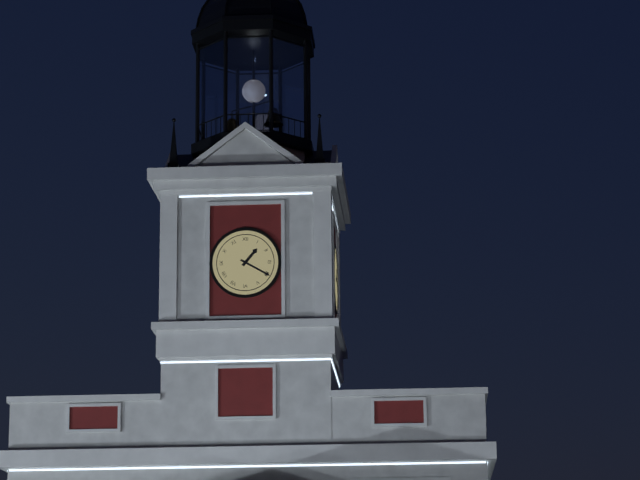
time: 1:20
